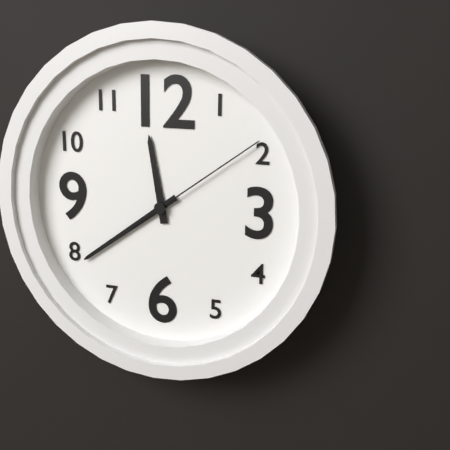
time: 11:39:09
